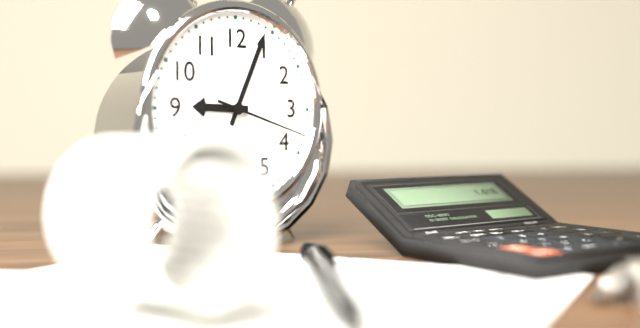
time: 9:04:18
